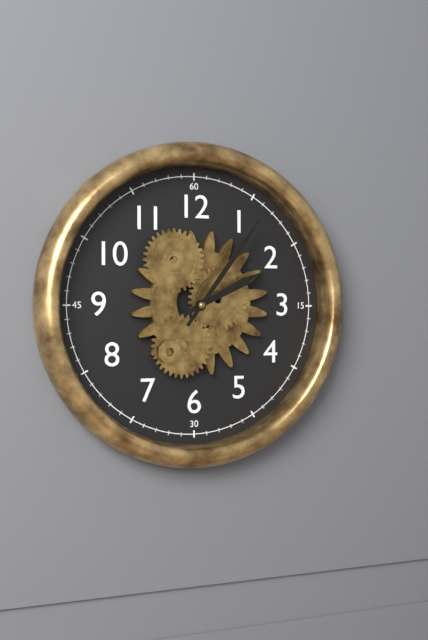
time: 2:06
